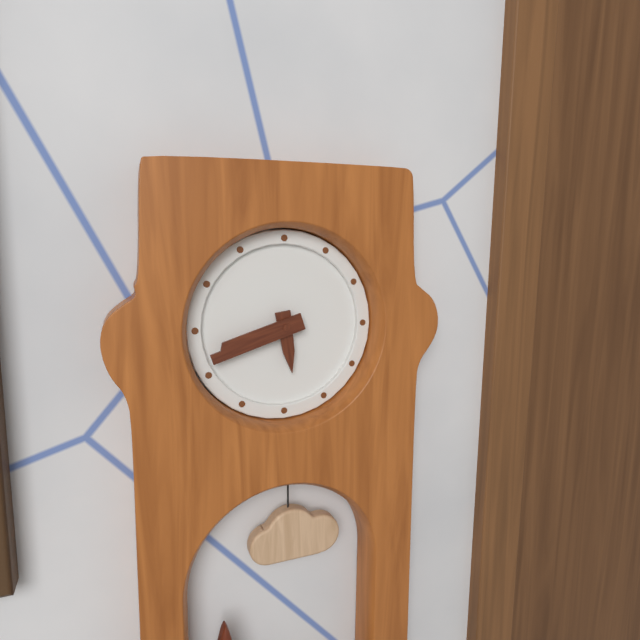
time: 5:42
